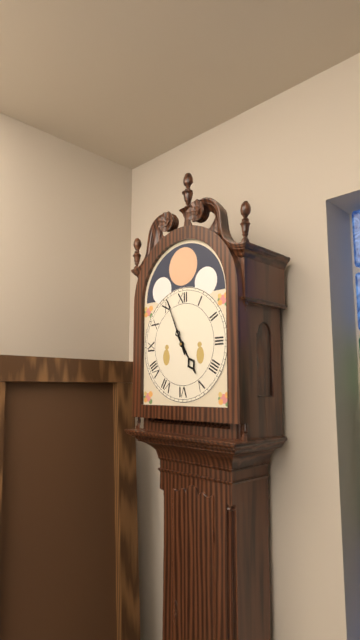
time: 4:56
